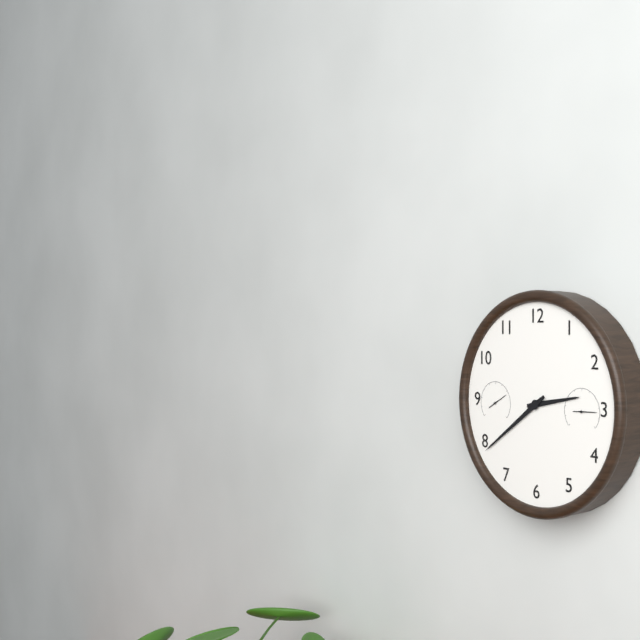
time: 2:39
